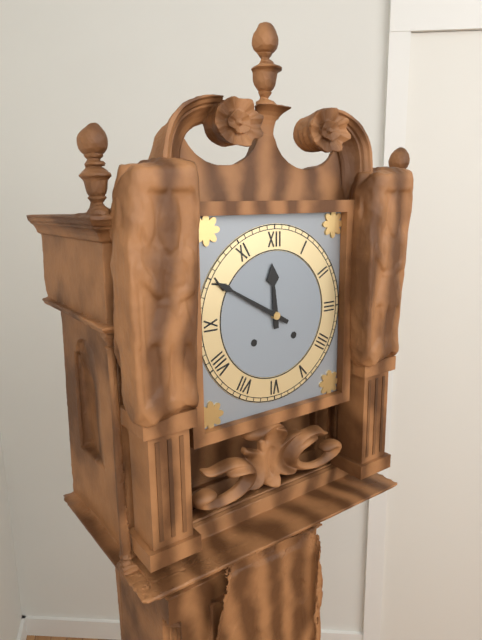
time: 11:50
